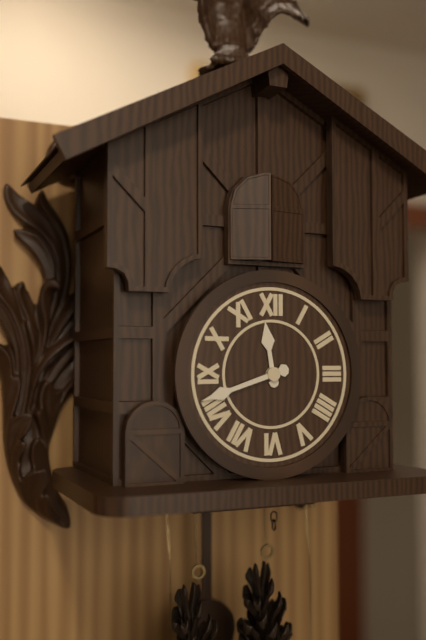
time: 11:42
